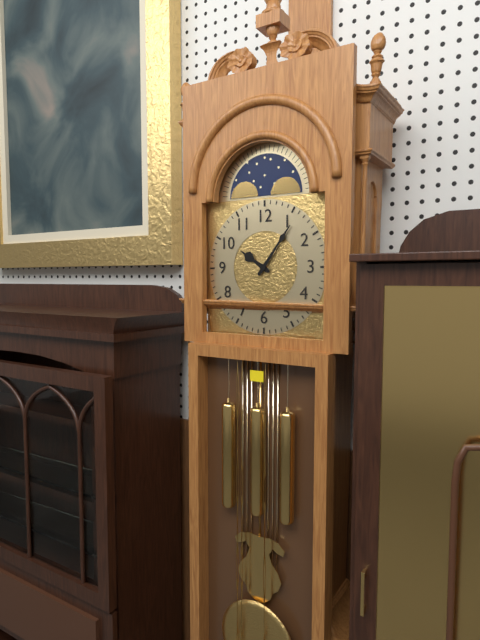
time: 10:06
